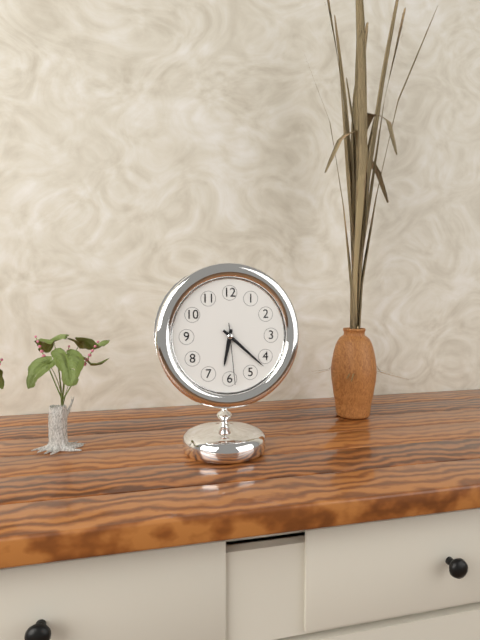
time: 6:22:29
